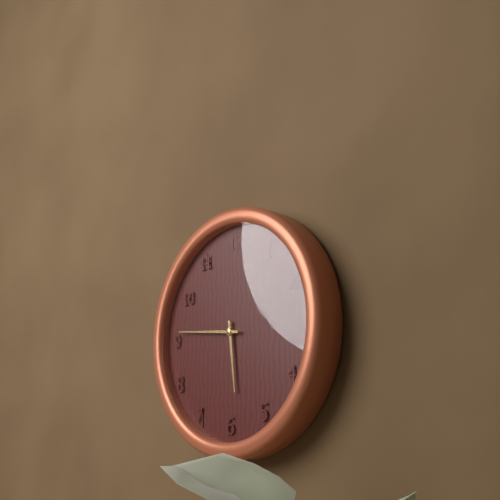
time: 5:46
